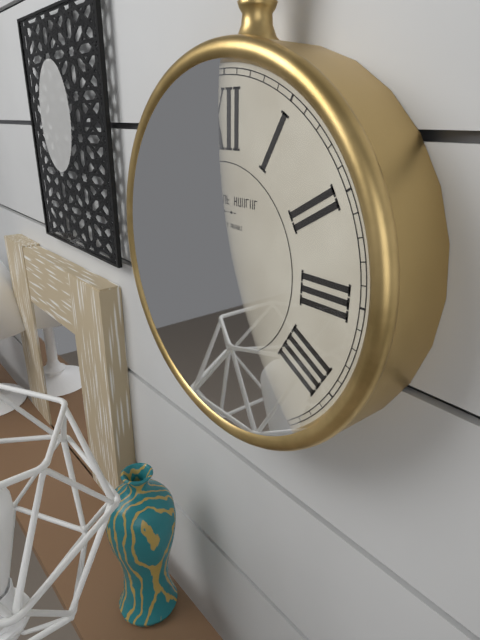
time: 6:28
